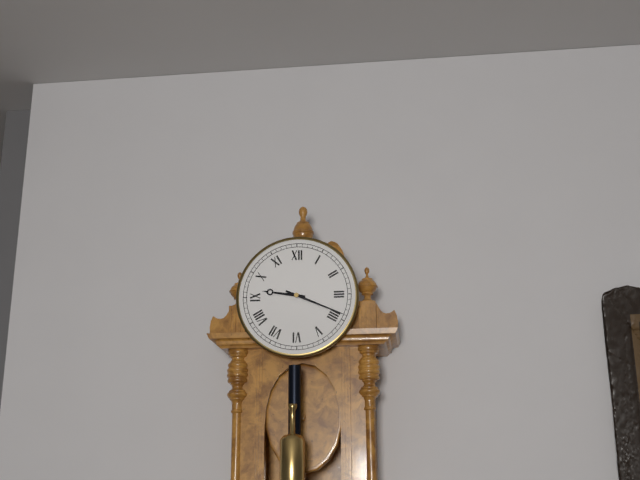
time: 9:19
